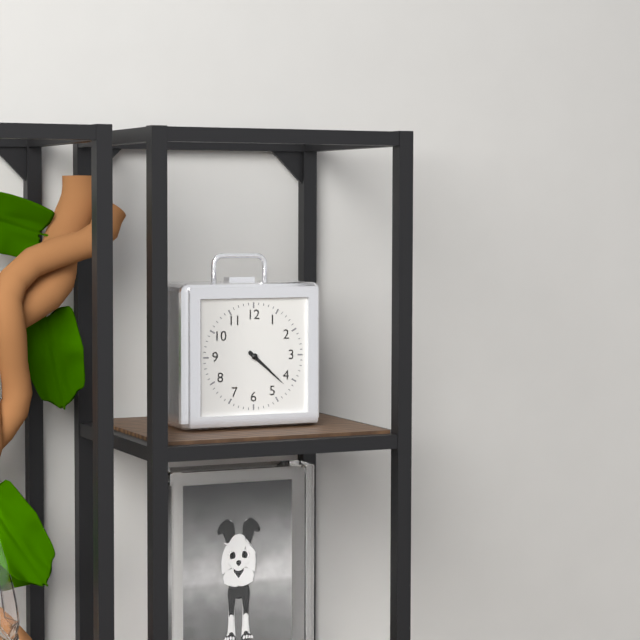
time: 4:22
